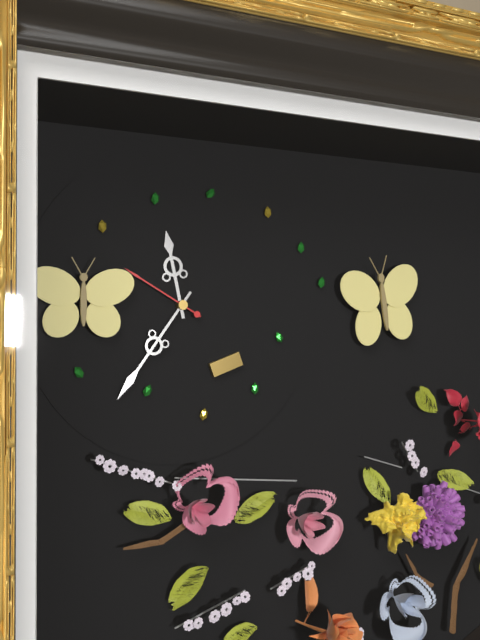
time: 11:36:50
